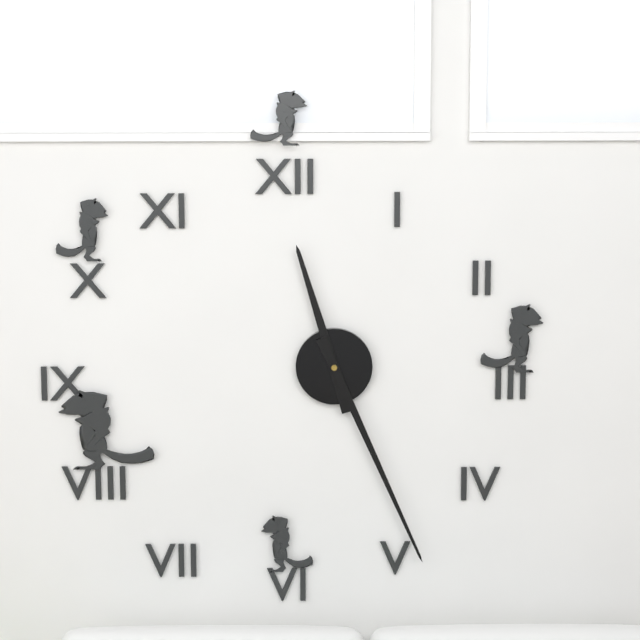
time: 11:26
